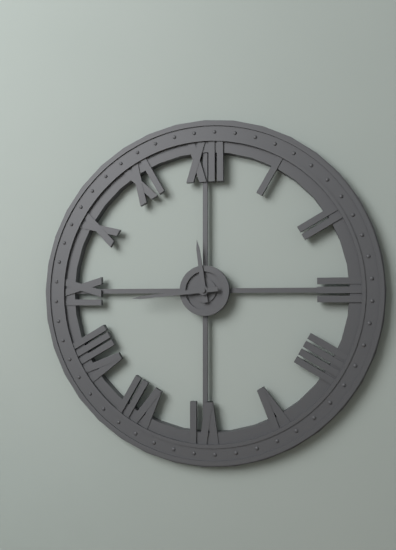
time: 11:44
